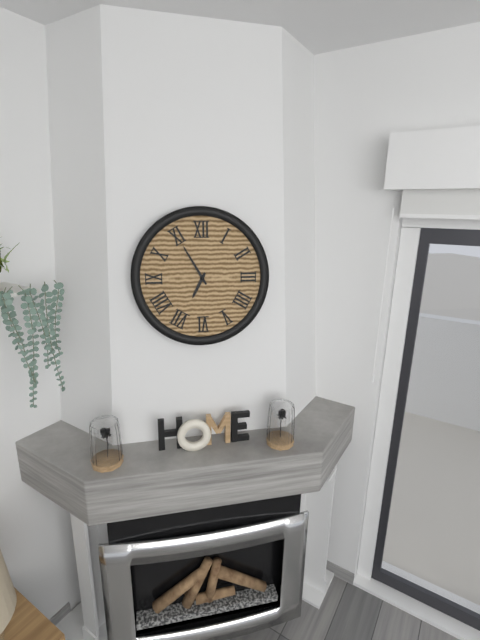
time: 6:55
